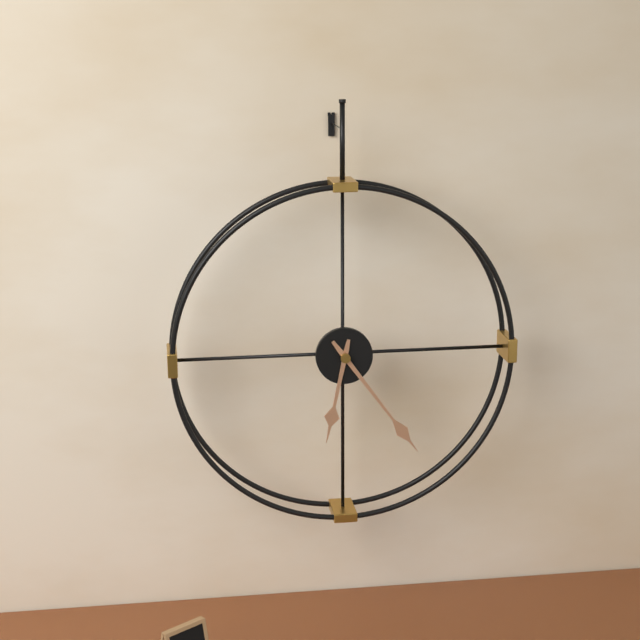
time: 6:24
